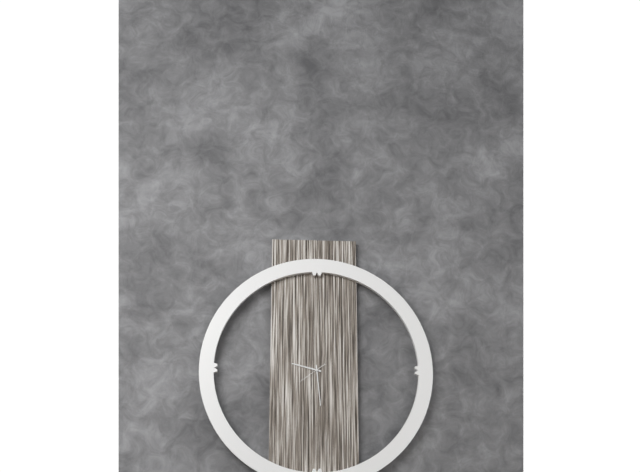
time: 9:29
